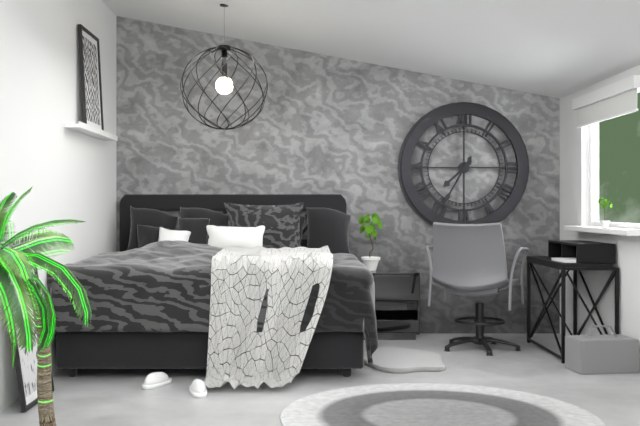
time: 7:35
